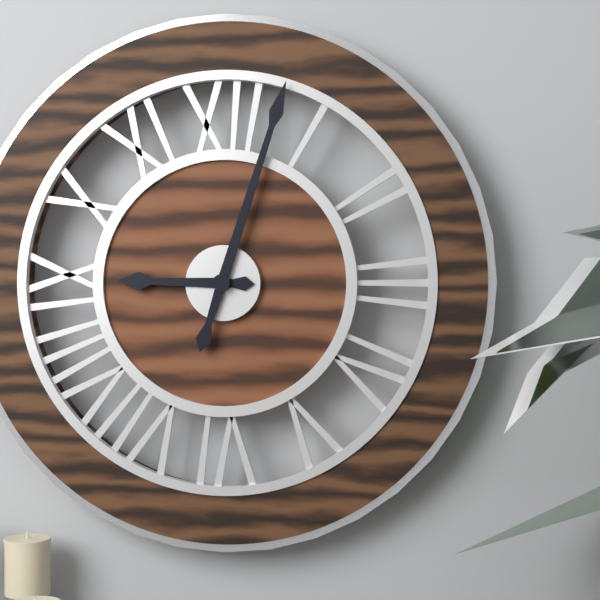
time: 9:03
